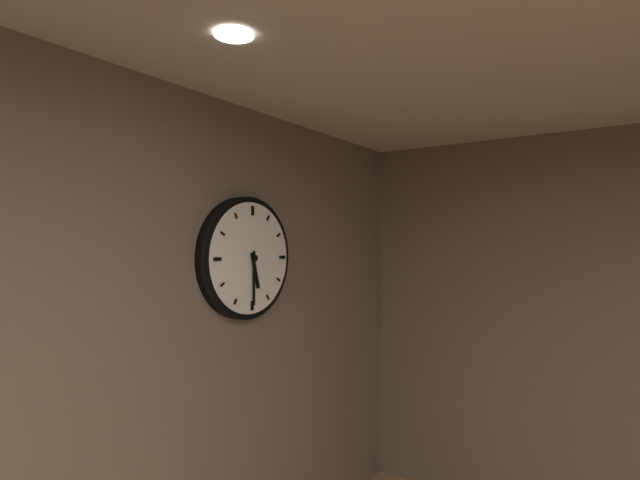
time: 5:30
